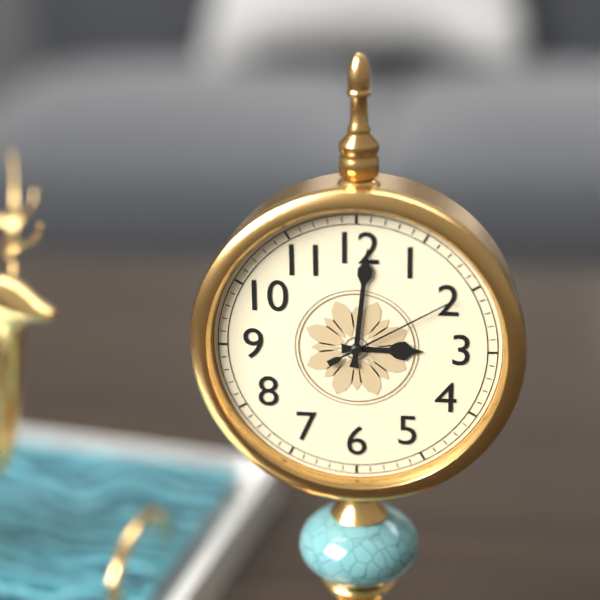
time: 3:01:10
